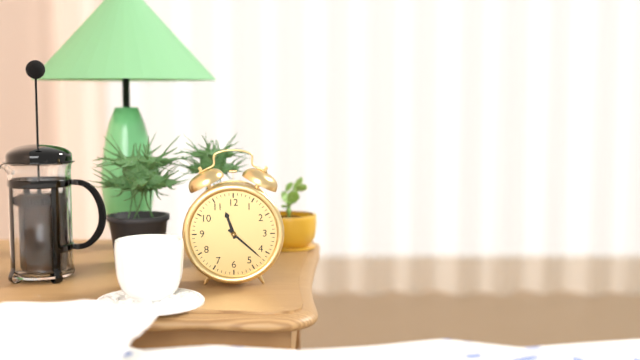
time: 11:22
